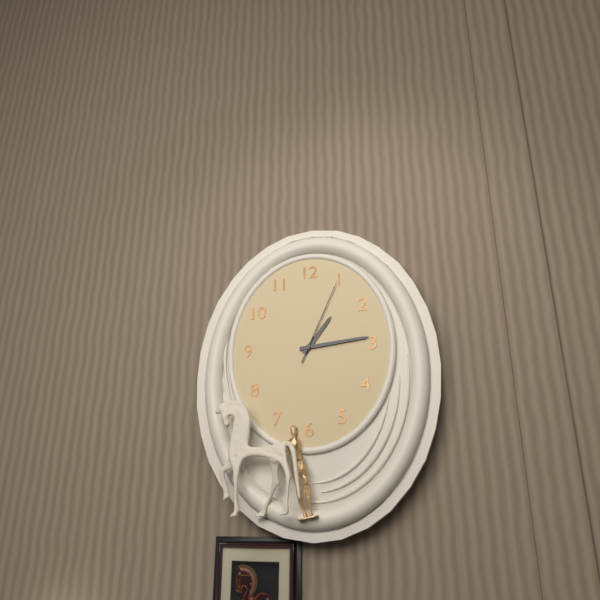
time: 1:14:04
